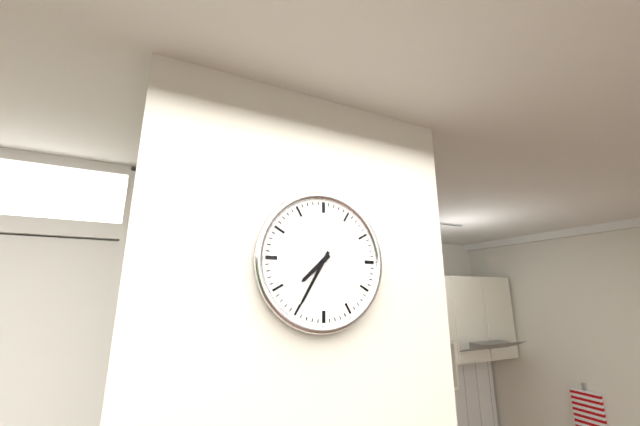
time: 7:35
